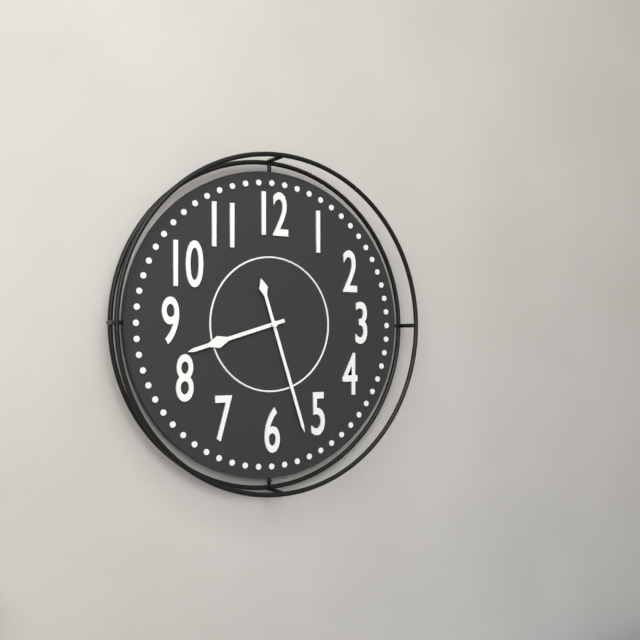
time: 8:27
